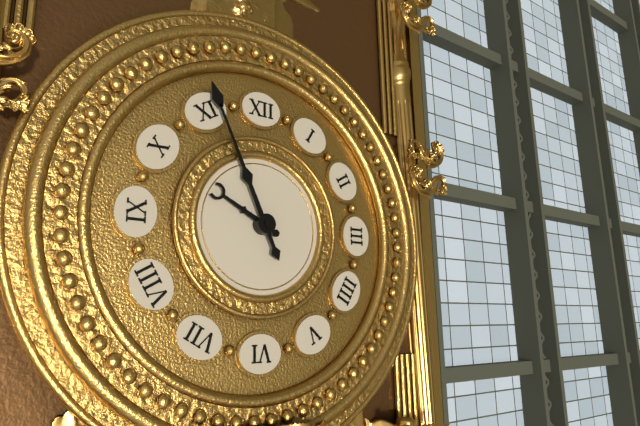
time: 9:56
